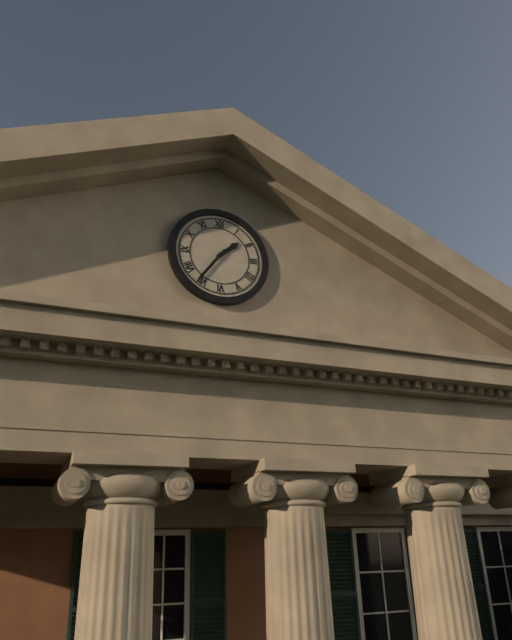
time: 1:36
